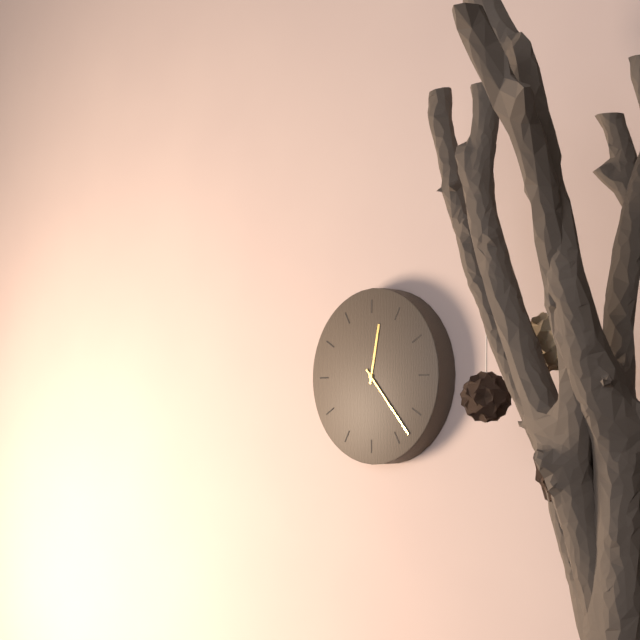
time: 12:23
